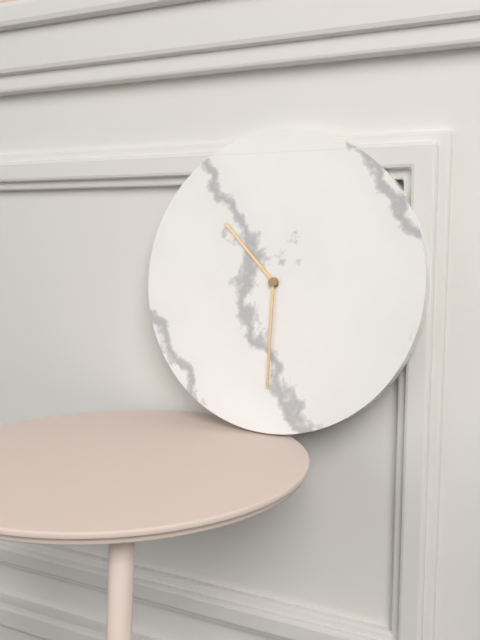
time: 10:30
